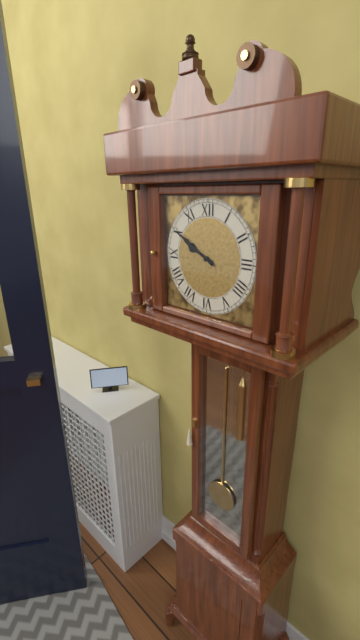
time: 9:50
